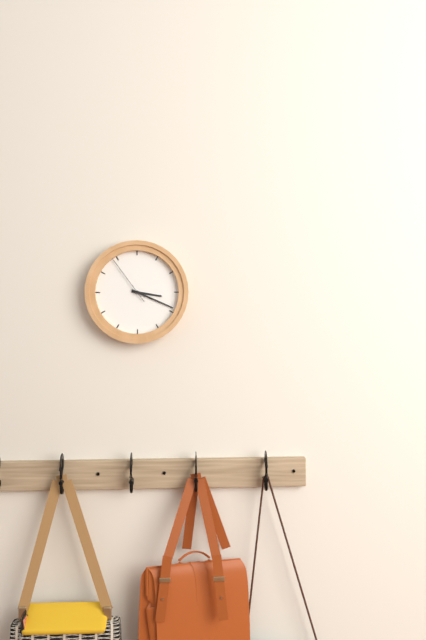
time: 3:19:54
